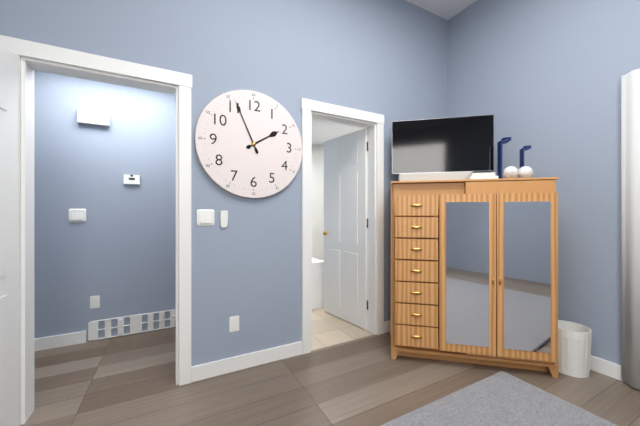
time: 1:56
